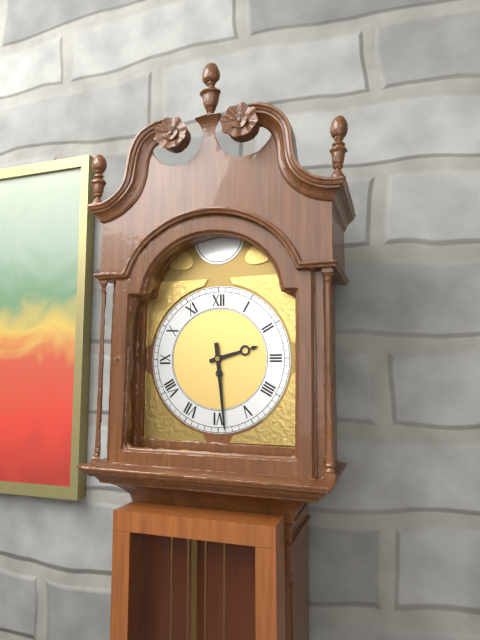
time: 2:29
